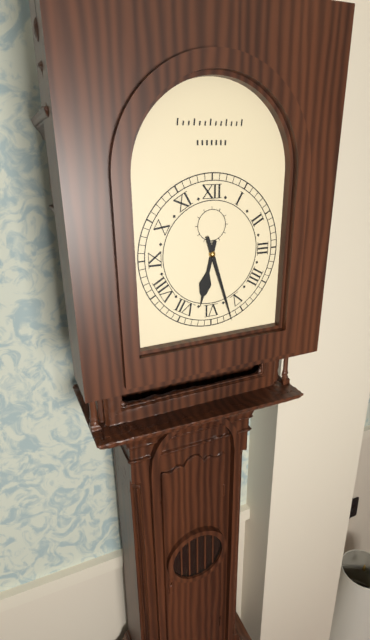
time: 6:27
